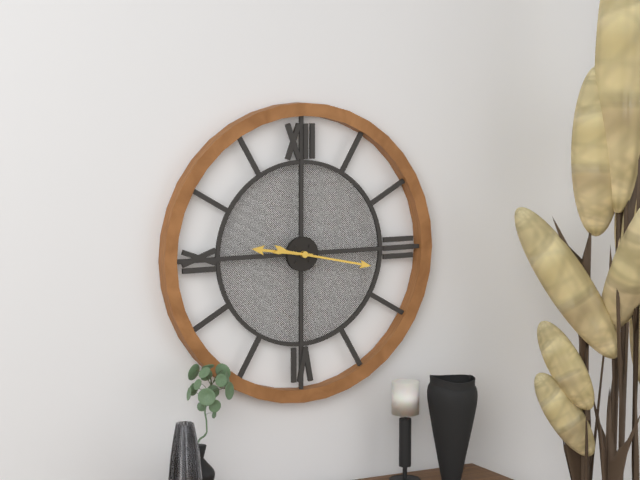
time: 9:17
